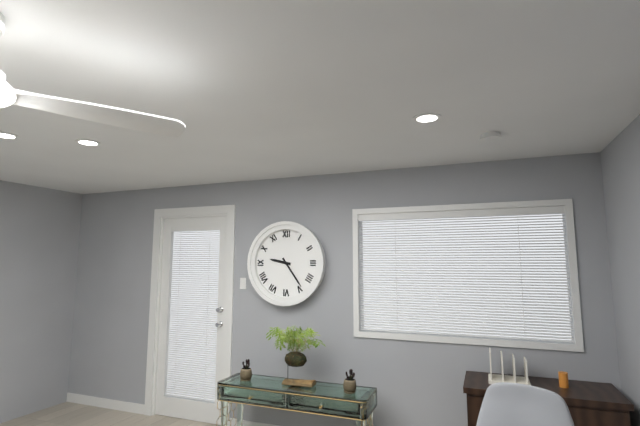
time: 9:24
